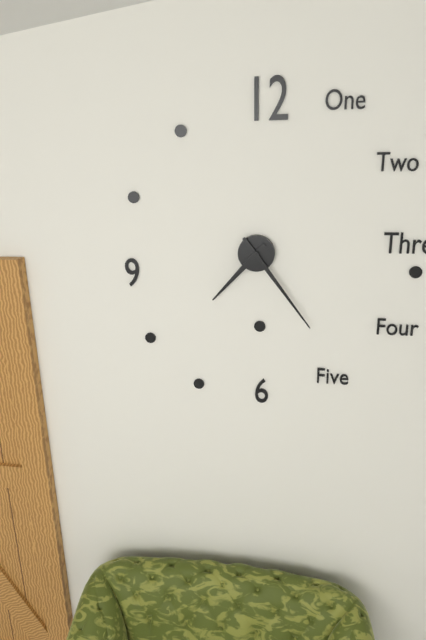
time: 7:24
